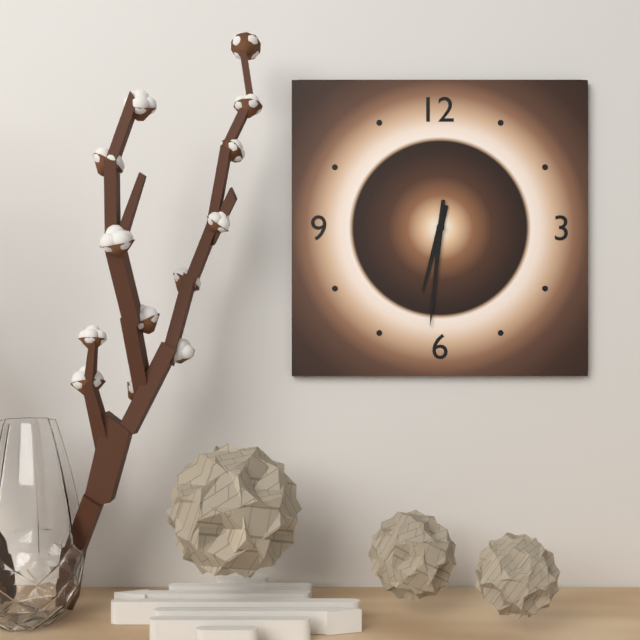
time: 6:31
